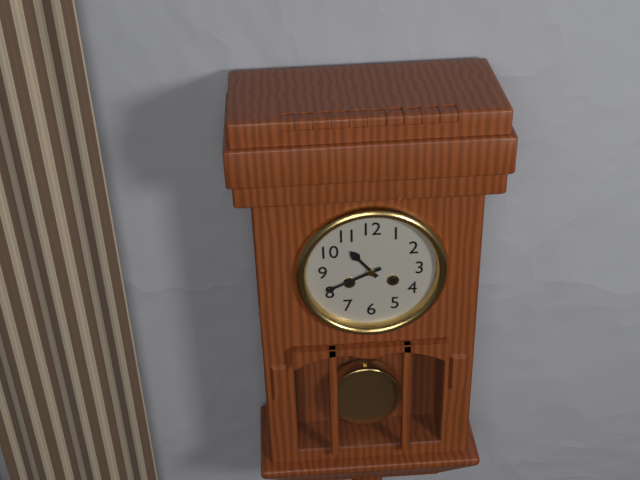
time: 10:41
